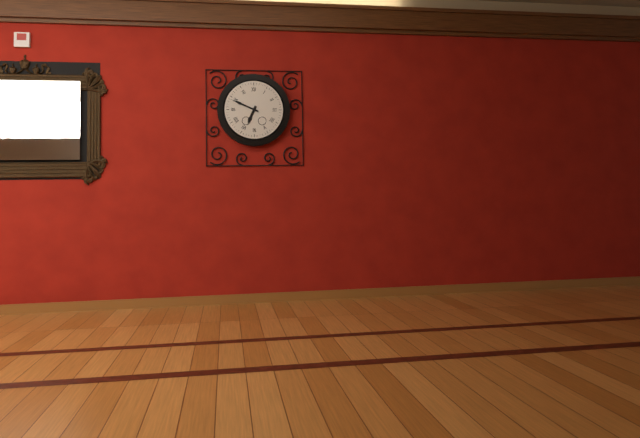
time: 6:49
